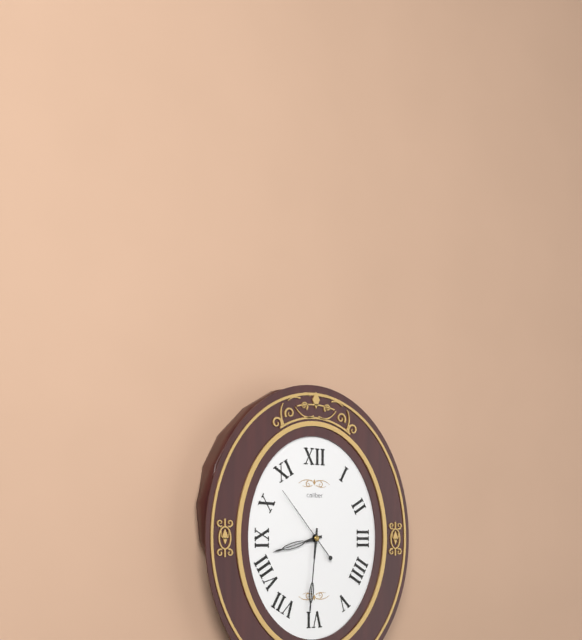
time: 8:31:53
